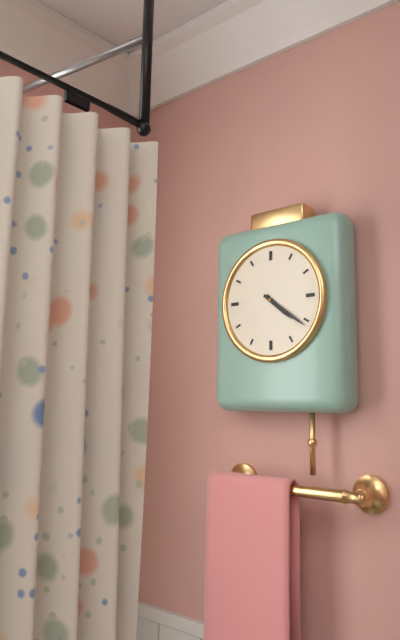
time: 4:21
